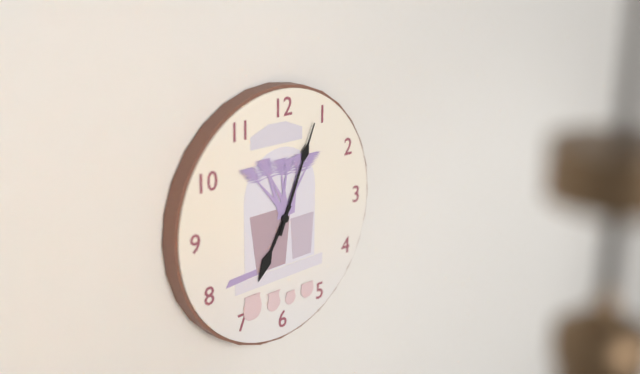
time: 7:04
